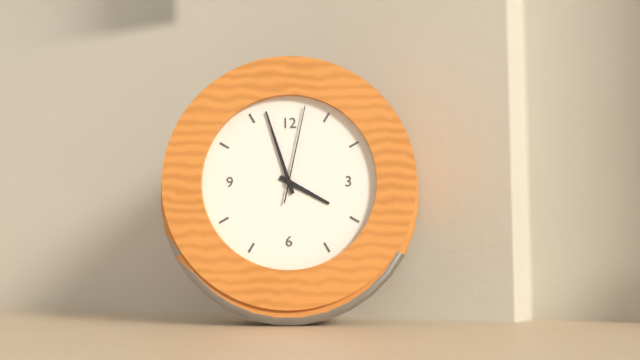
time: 3:57:02
